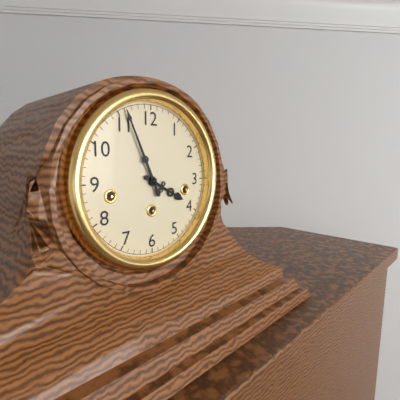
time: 3:56
